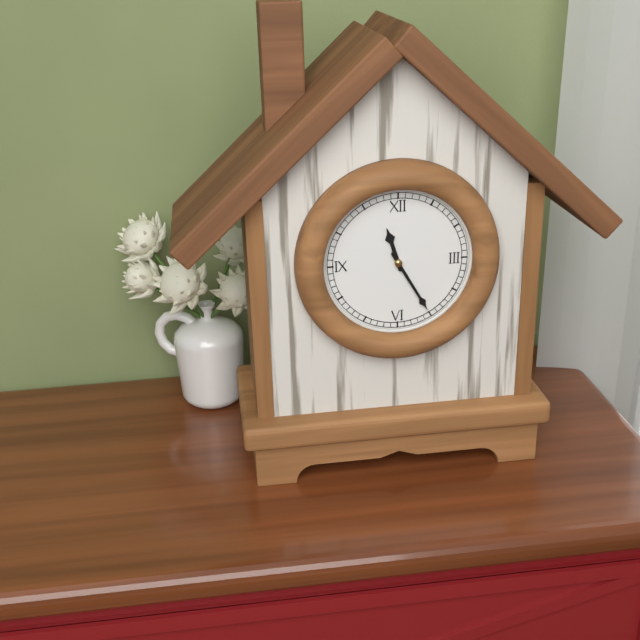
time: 11:25
